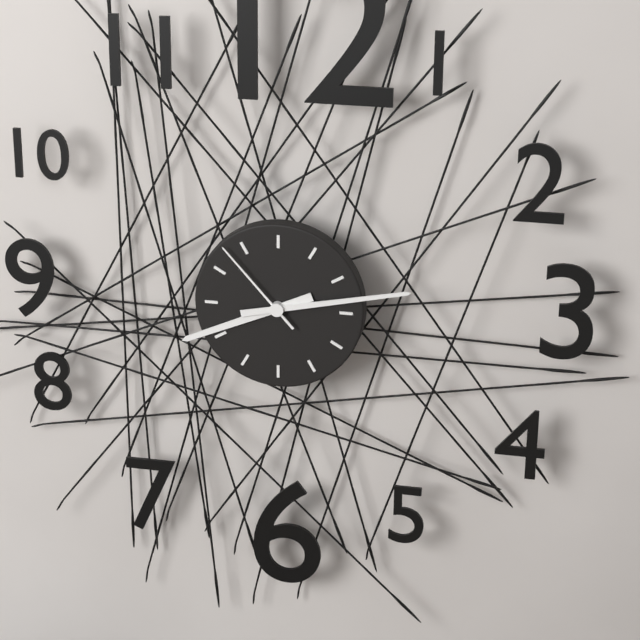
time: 8:13:53
